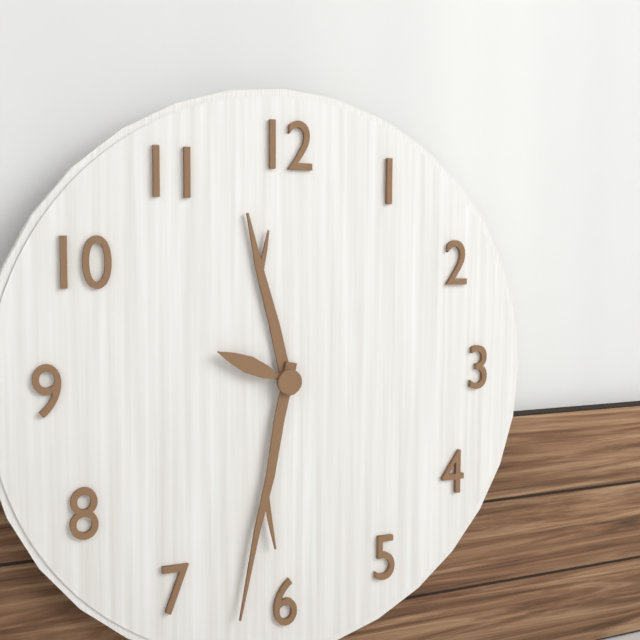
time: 11:32:49
